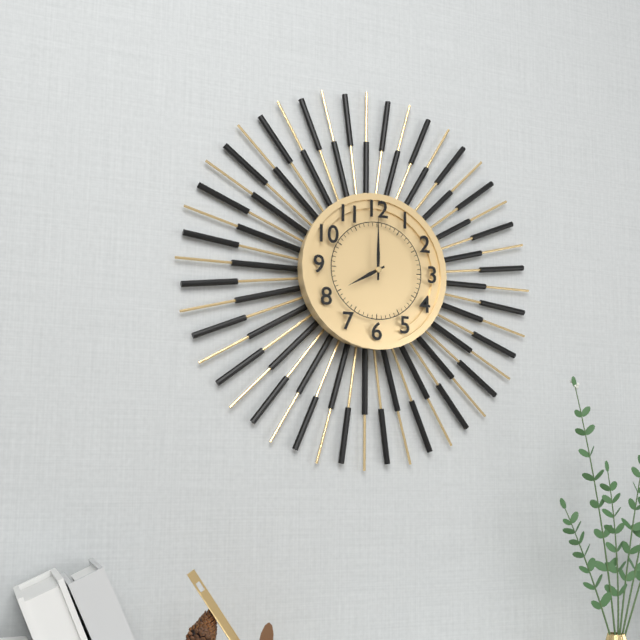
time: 8:00
